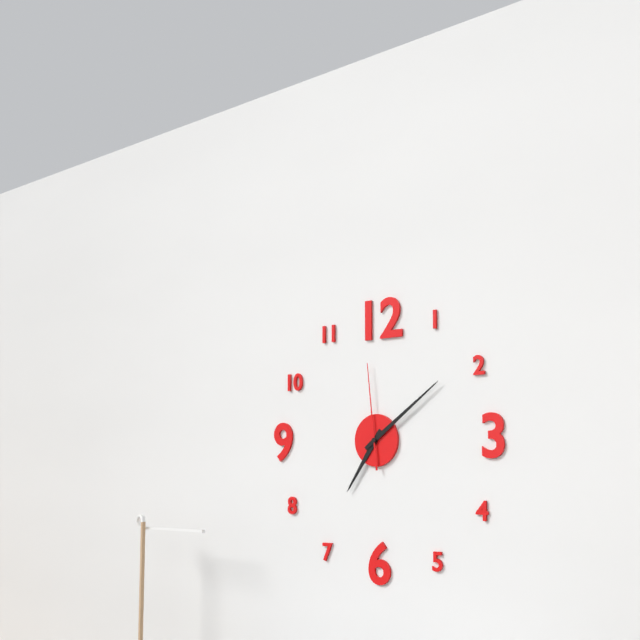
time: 7:09:59
